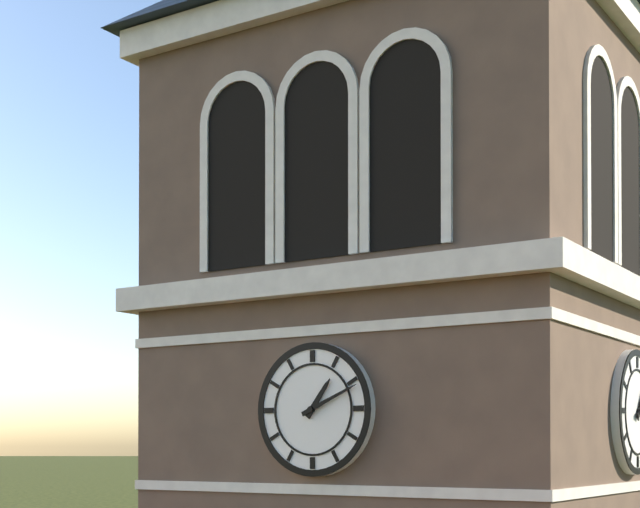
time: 1:11
